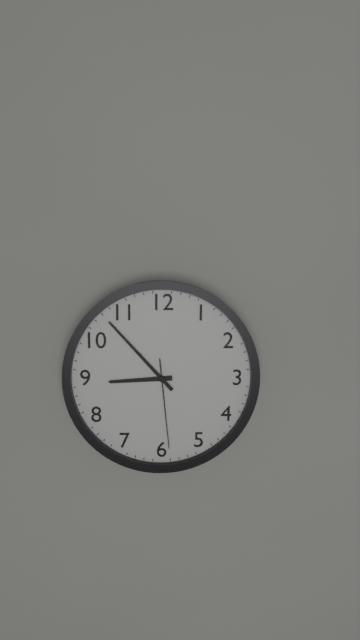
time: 8:53:29
